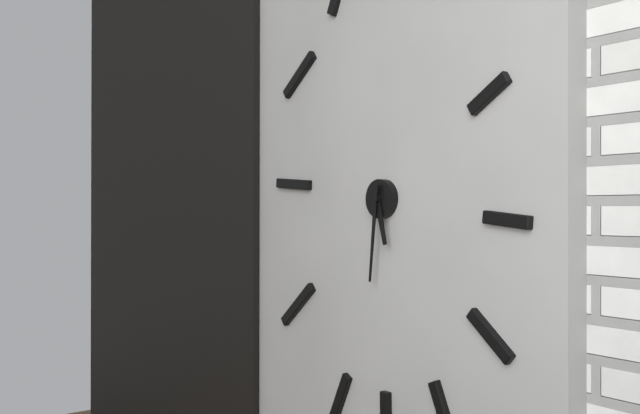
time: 5:31
